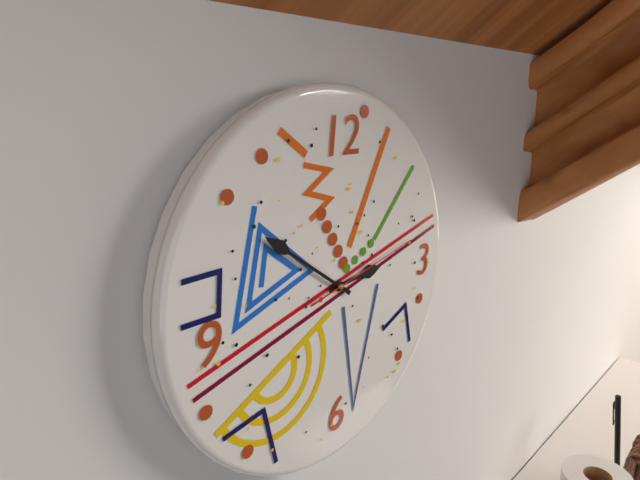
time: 2:51:13
